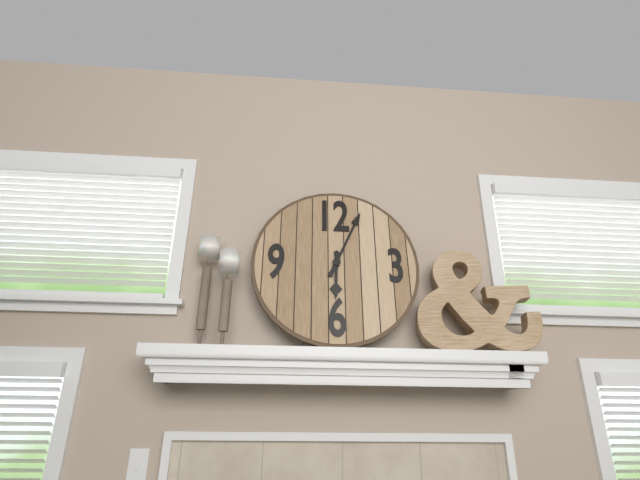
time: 6:04
